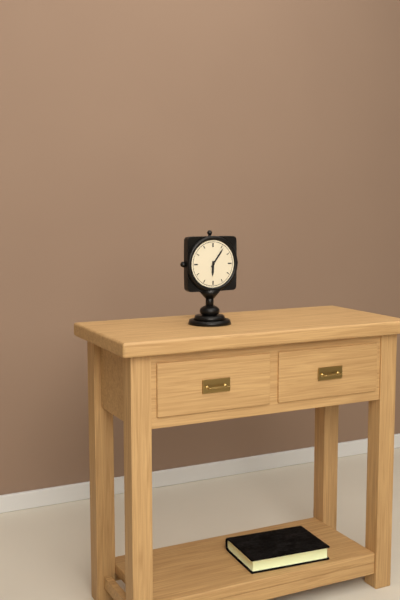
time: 6:06
